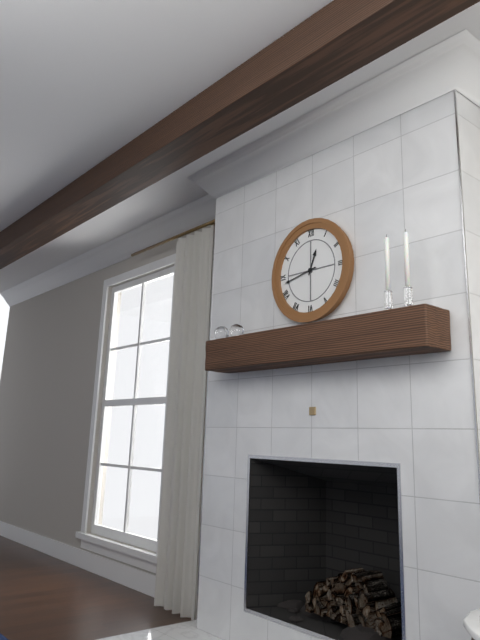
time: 12:43
